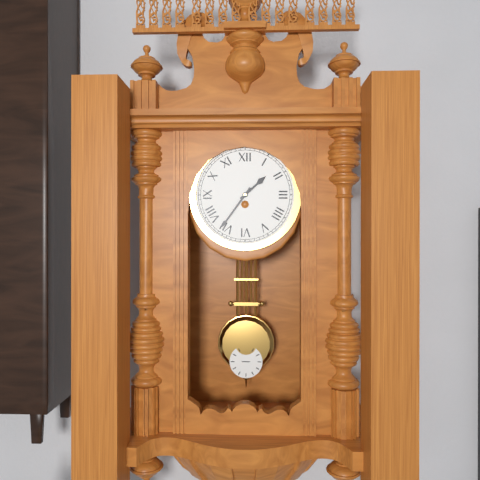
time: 1:36
